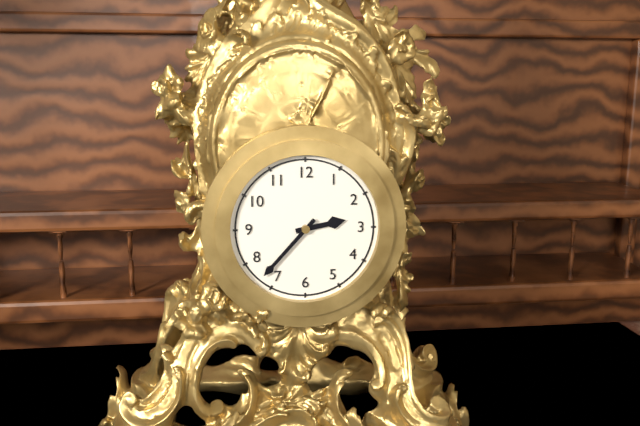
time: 2:37
